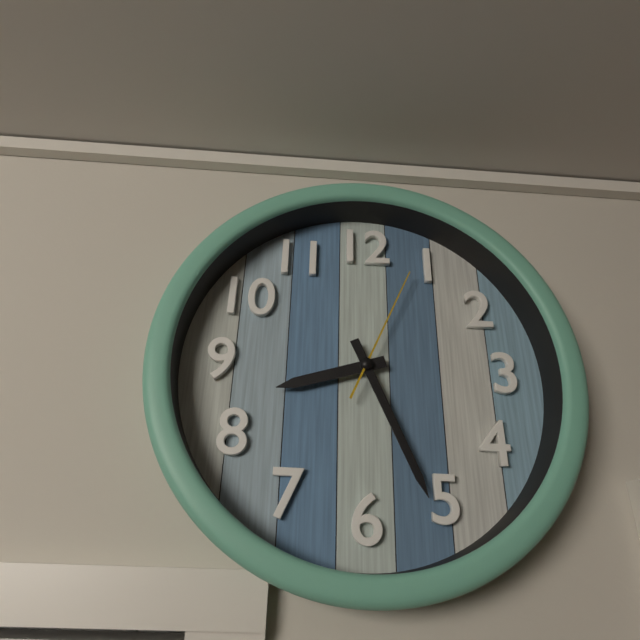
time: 8:26:04
